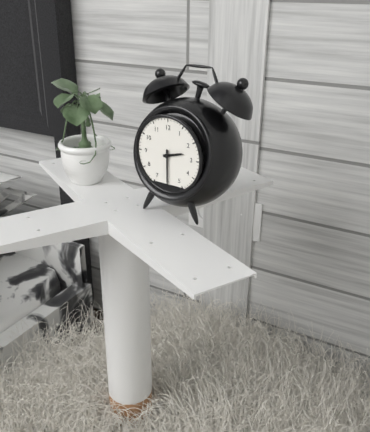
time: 2:30
